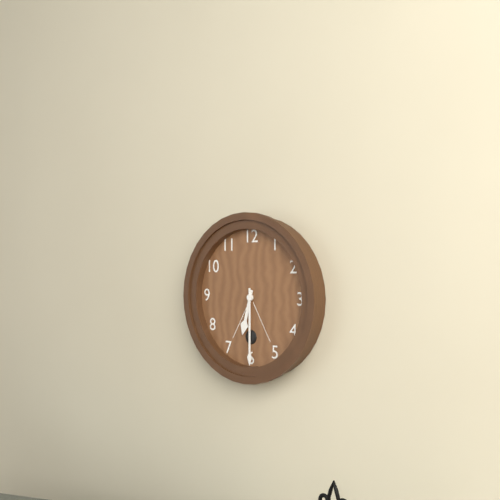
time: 6:30
